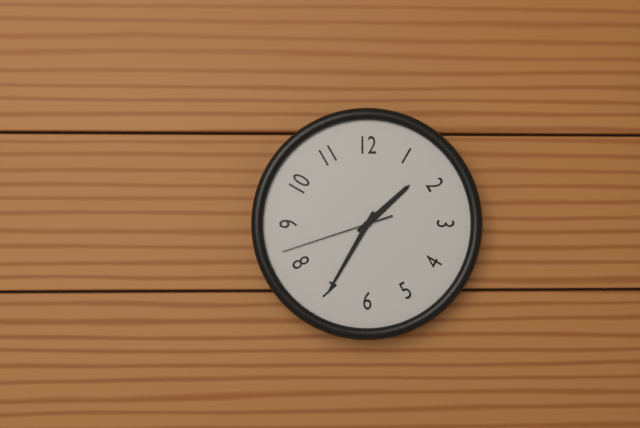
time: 1:35:42
